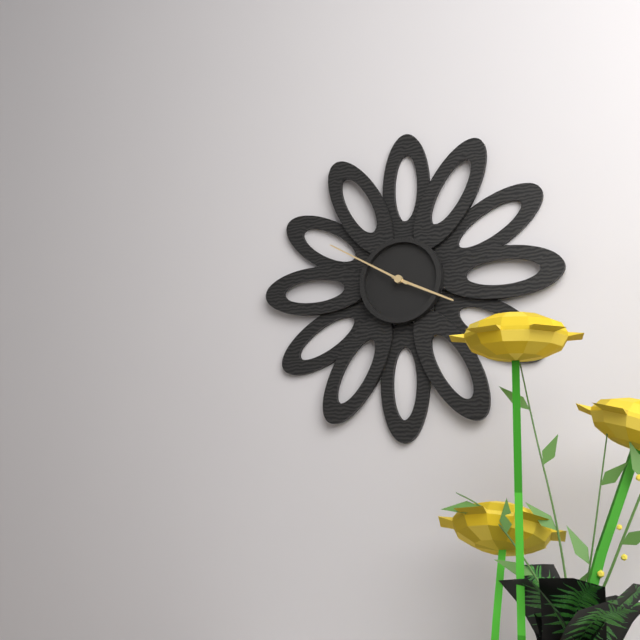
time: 3:50
